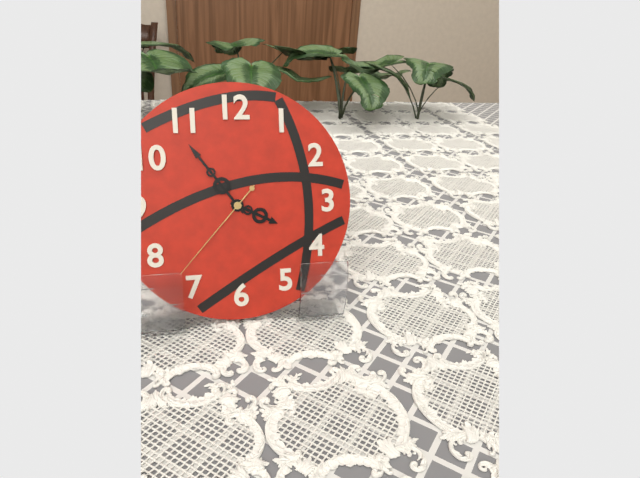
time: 3:54:37
